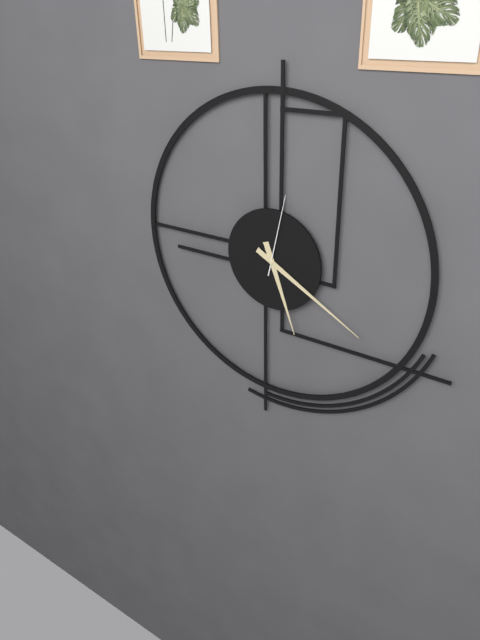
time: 5:20:02
